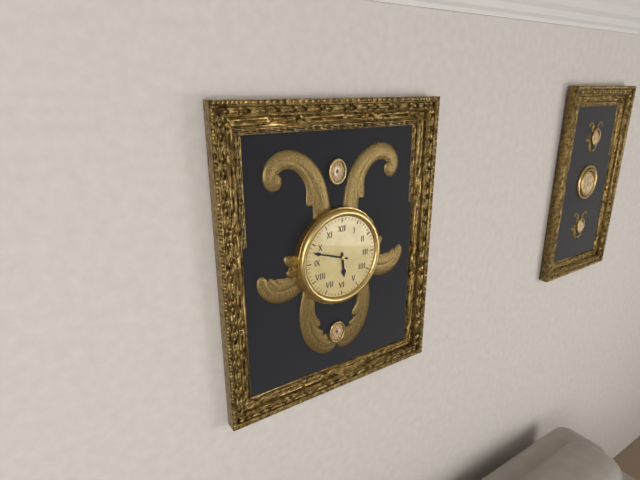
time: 5:48
